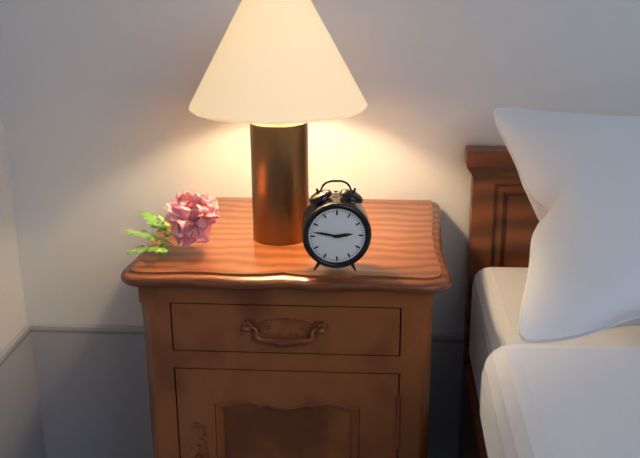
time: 2:47
